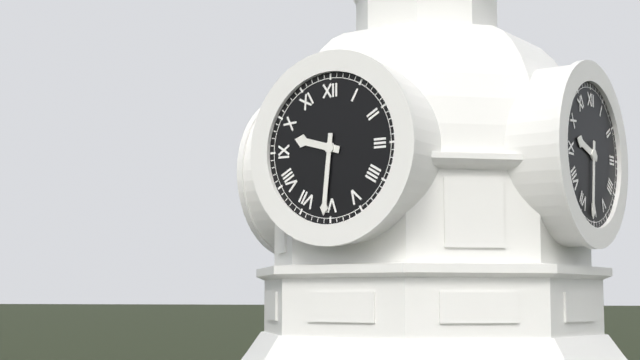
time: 9:31
